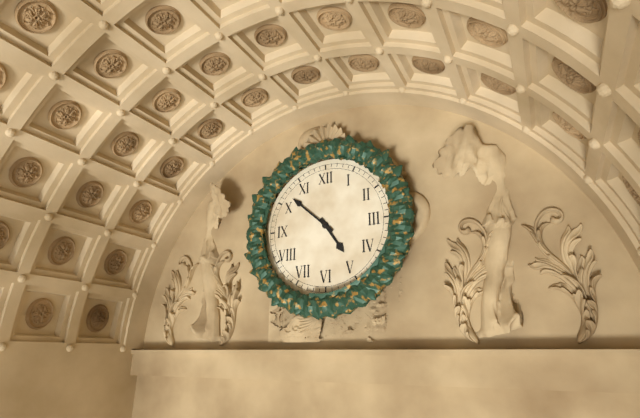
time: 4:52
